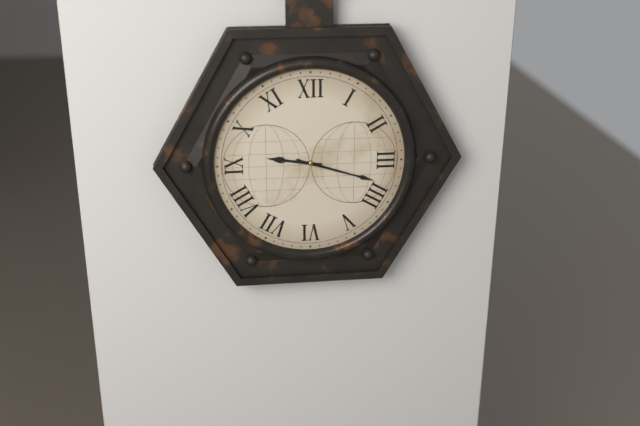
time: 9:18
